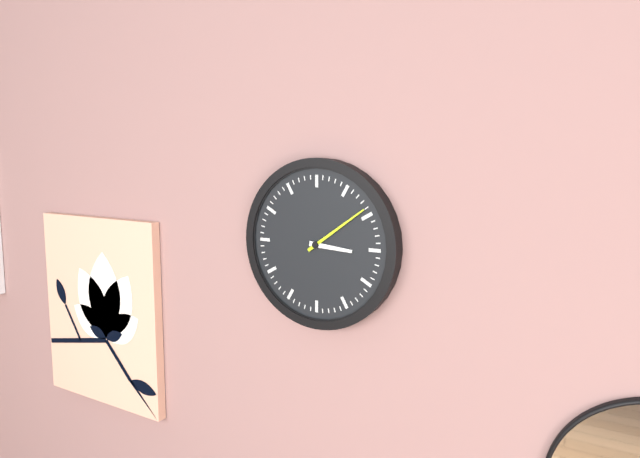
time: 3:09
